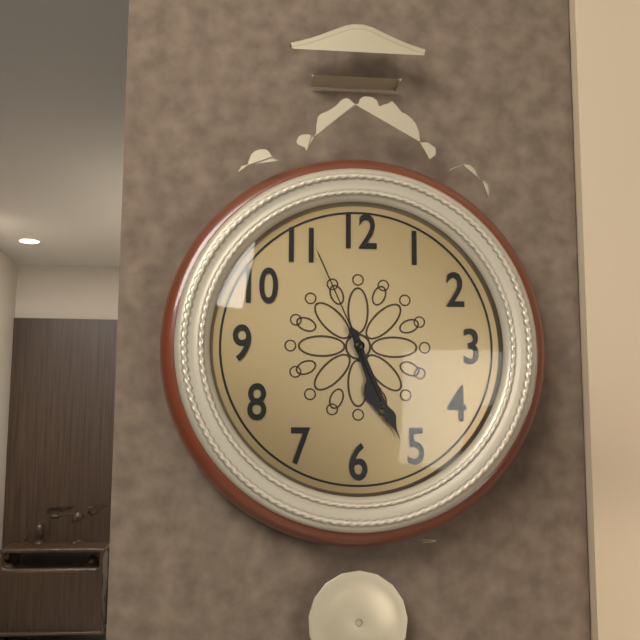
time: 5:26:56
